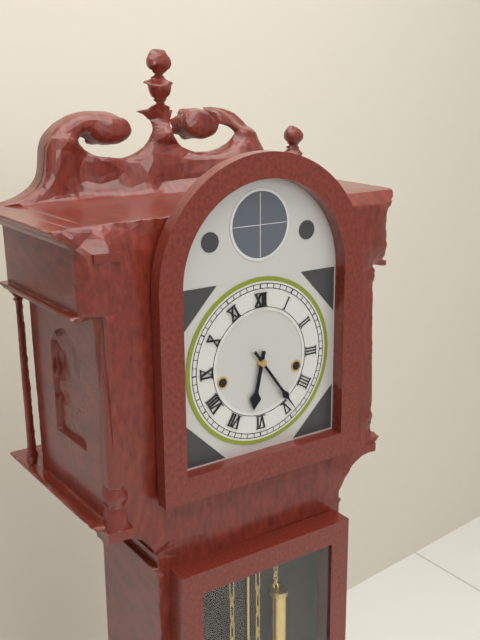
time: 6:24
